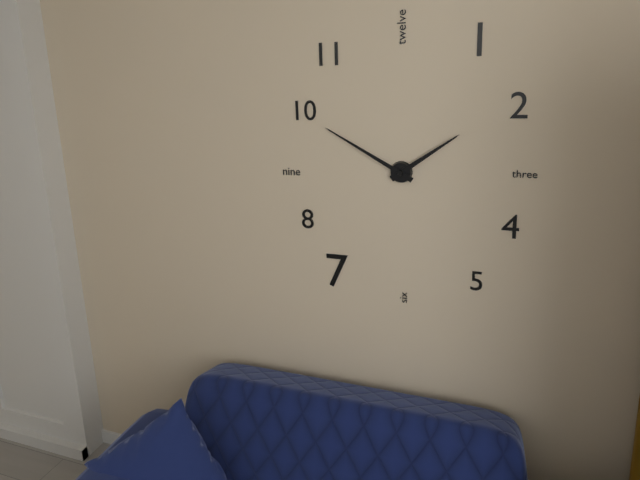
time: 1:50
